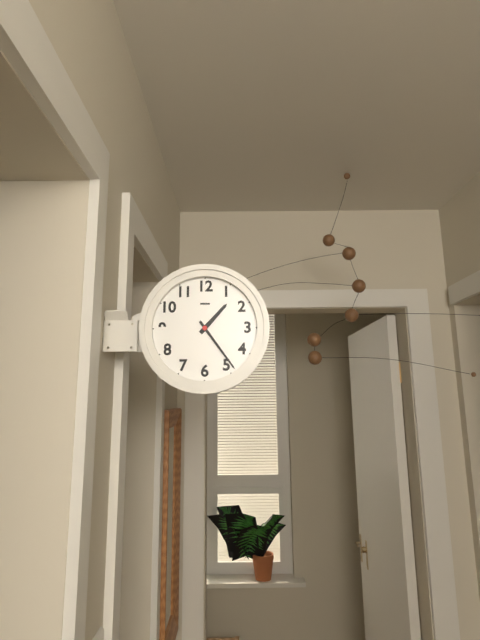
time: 1:24
